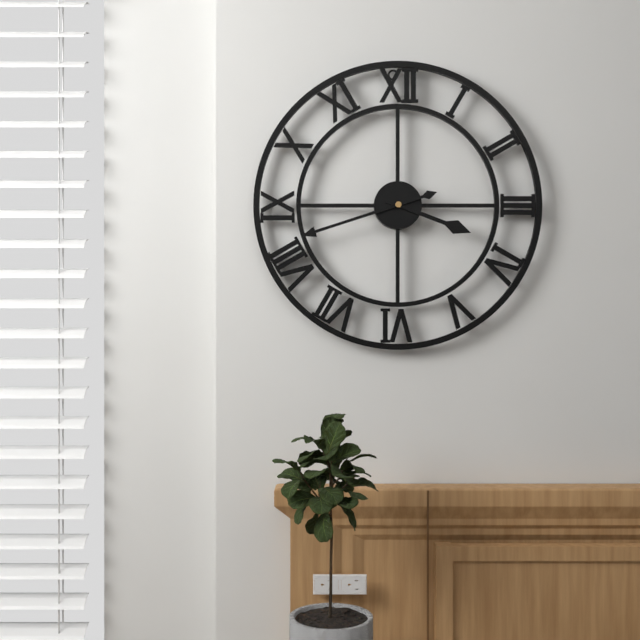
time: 3:42
